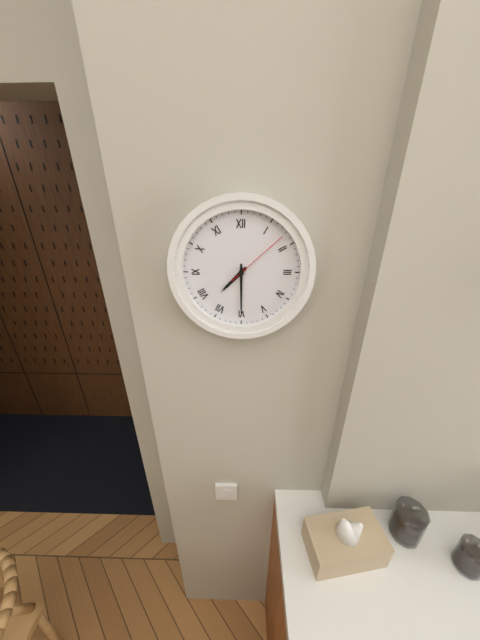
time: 7:30:08
